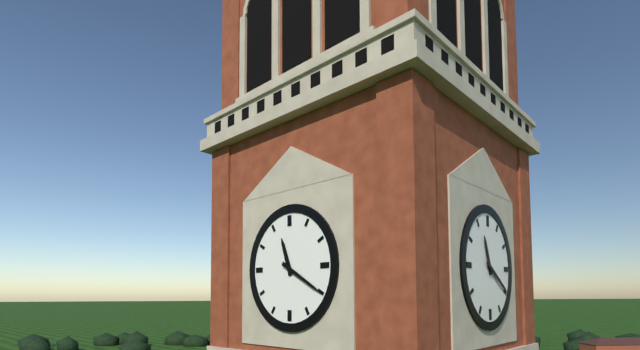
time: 11:20
